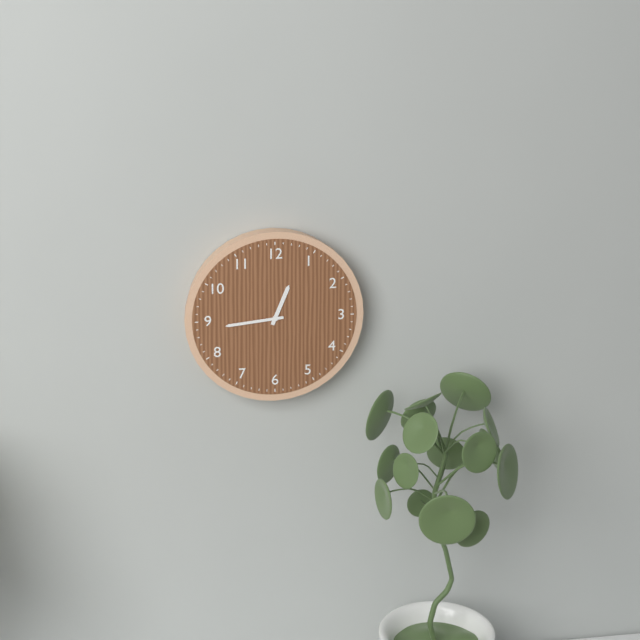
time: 12:44
